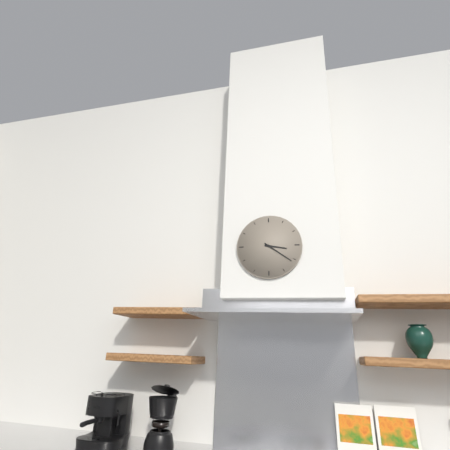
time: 3:21
